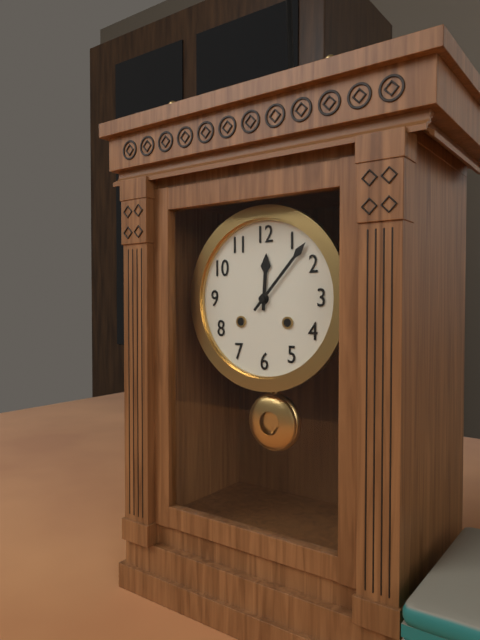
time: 12:07
